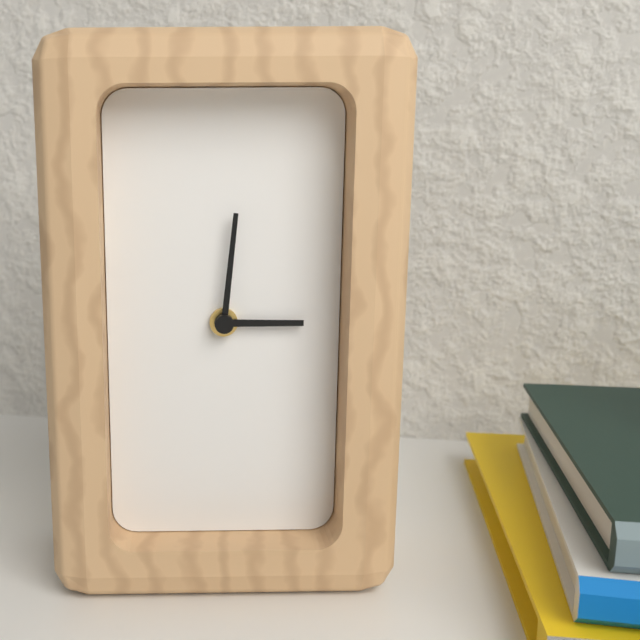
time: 3:01
